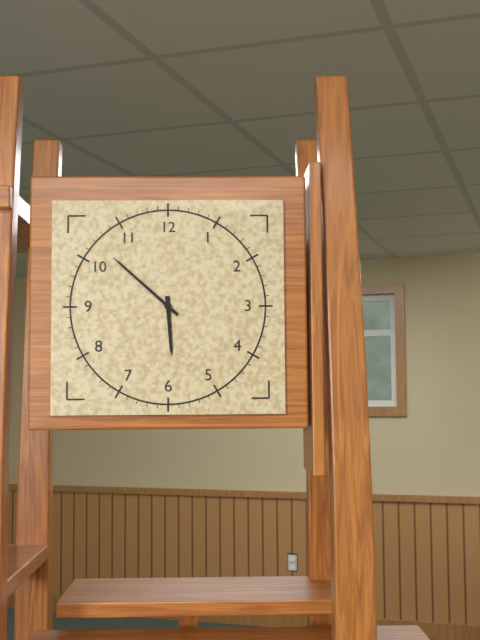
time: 5:52
